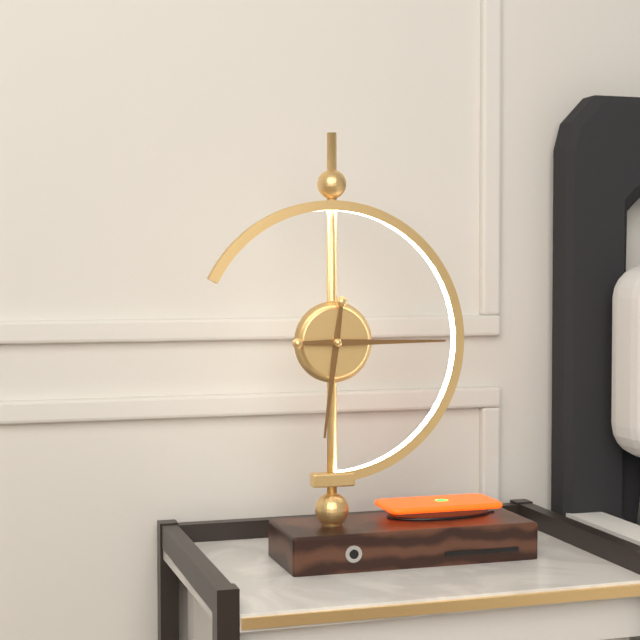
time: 6:15
